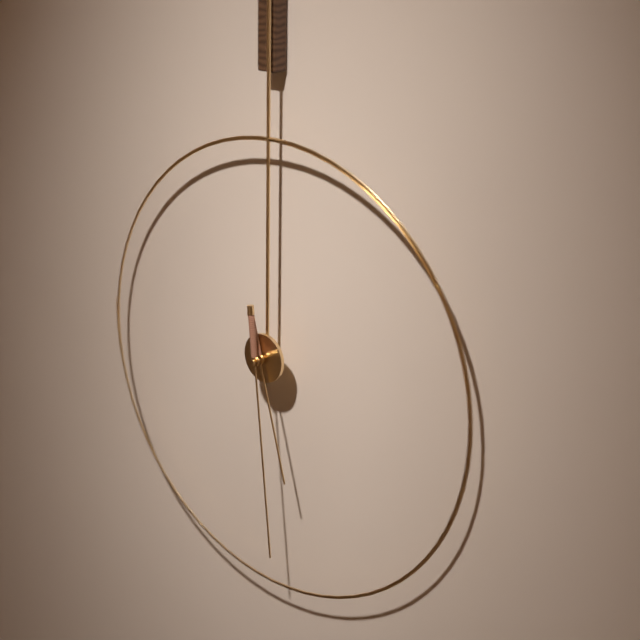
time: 5:29
